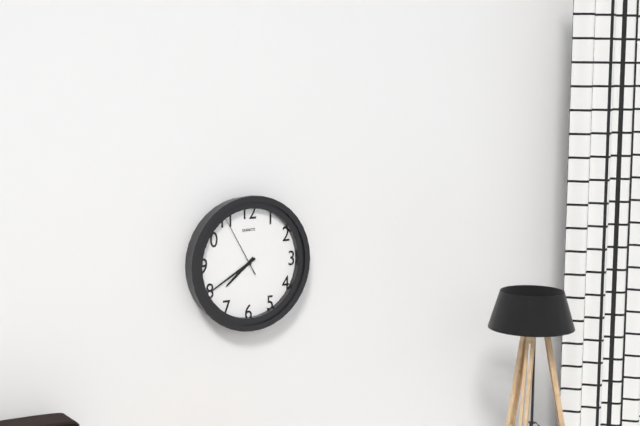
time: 7:40:55
